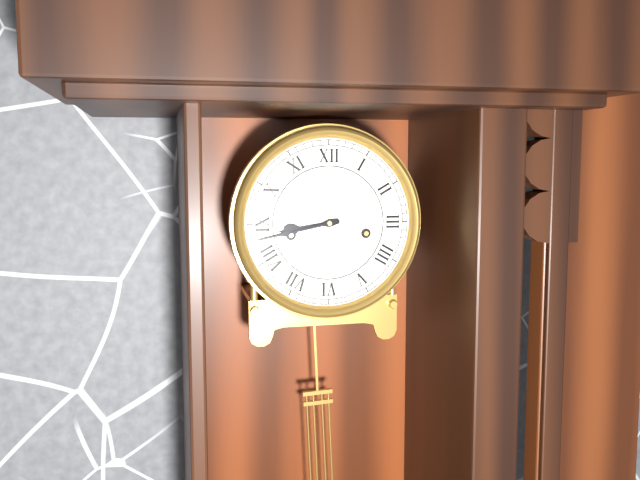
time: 8:43
